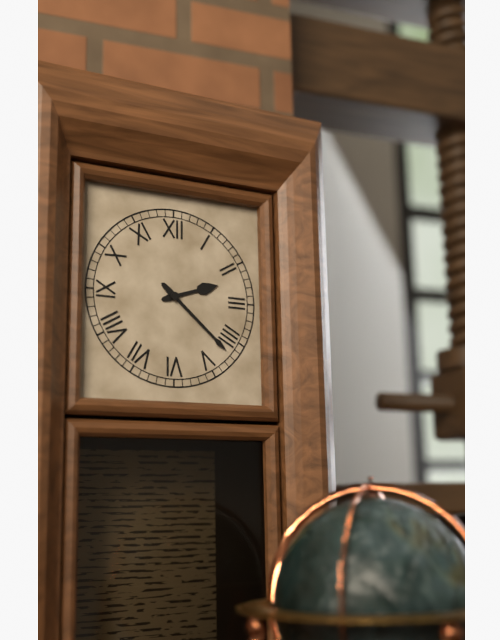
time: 2:22
